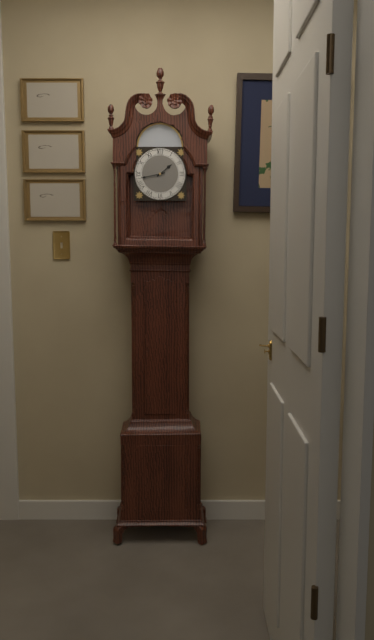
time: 1:43
